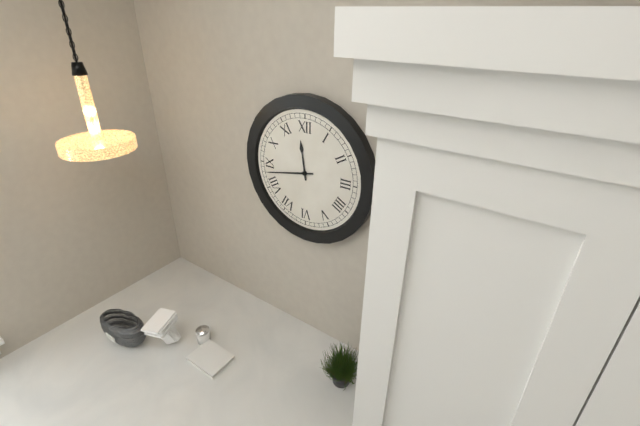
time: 11:43
